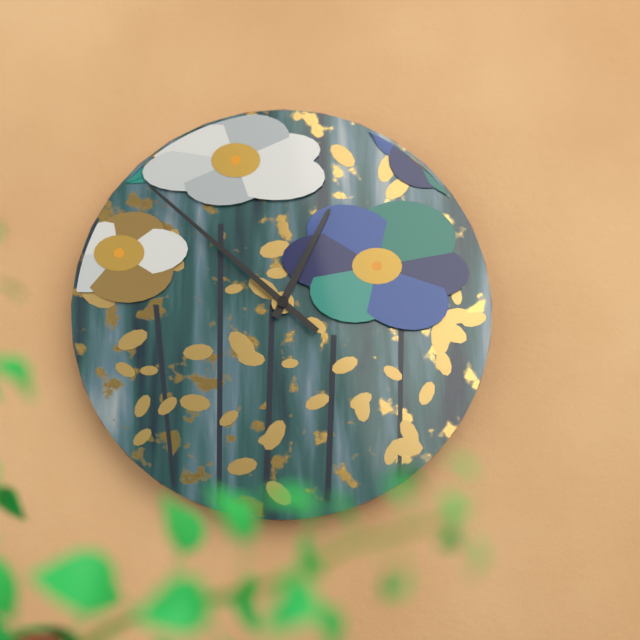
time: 12:52
